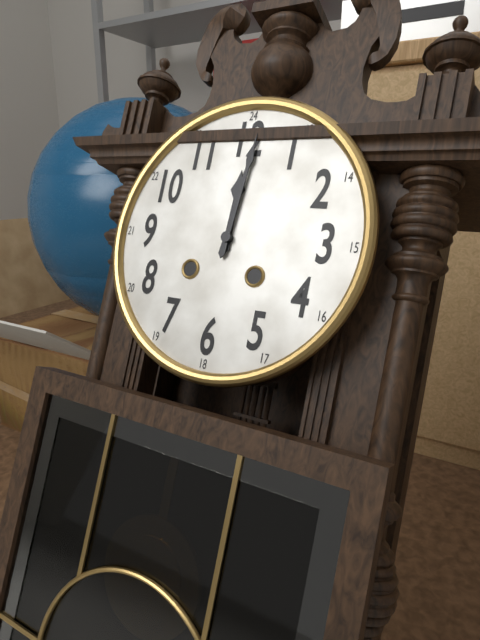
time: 12:01
